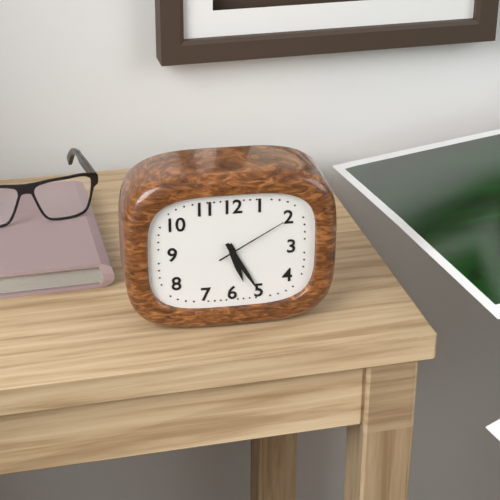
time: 5:25:10
